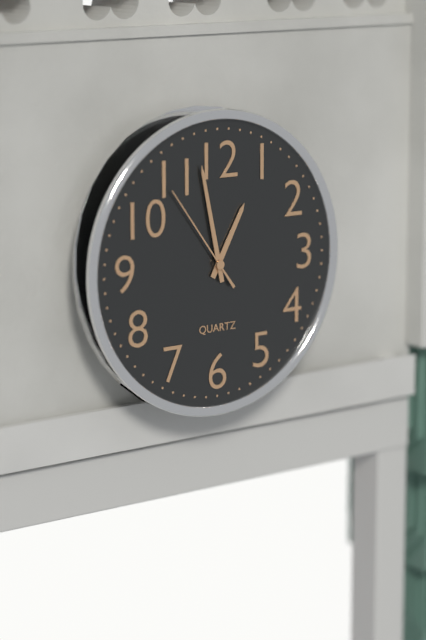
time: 12:58:54
